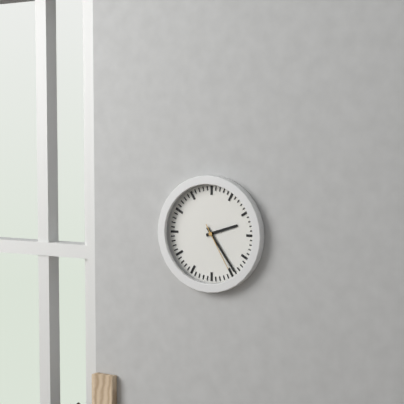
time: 2:24
